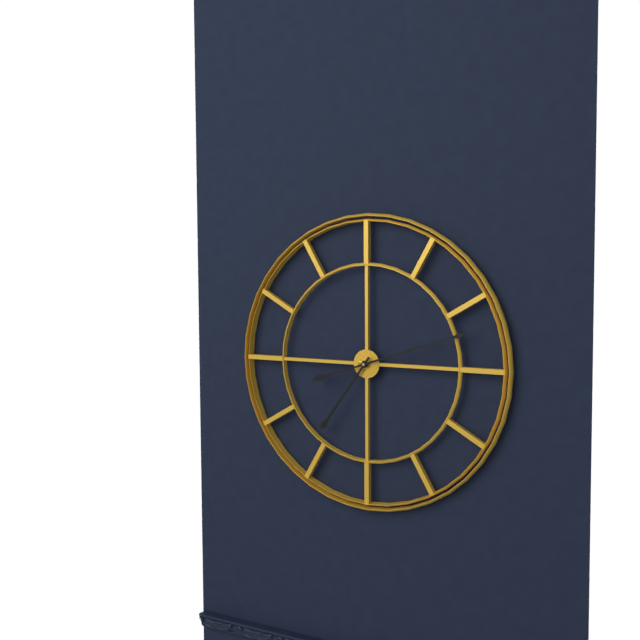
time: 7:12
